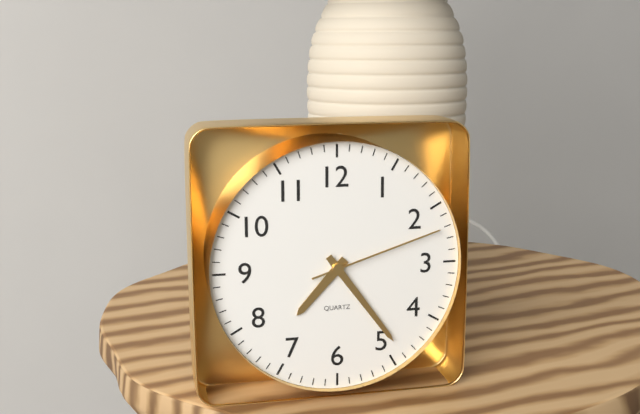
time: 7:24:12
